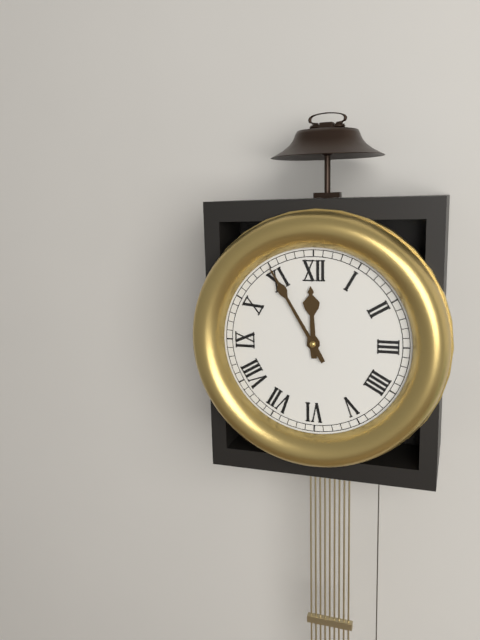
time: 11:55
